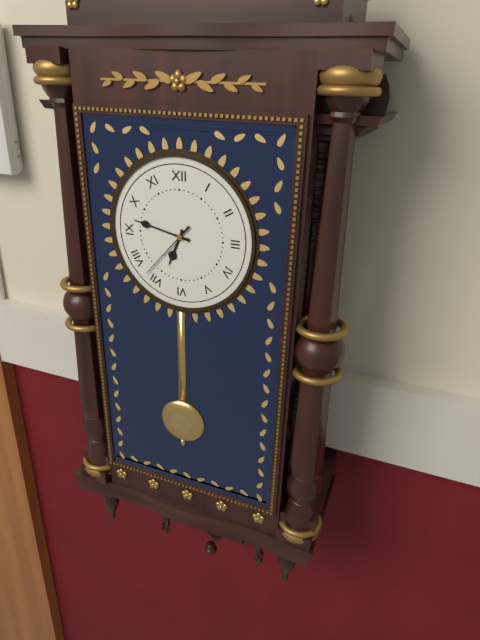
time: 6:47:37
